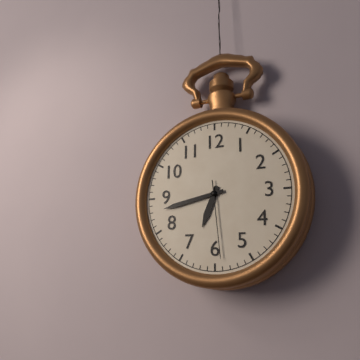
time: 6:43:29
